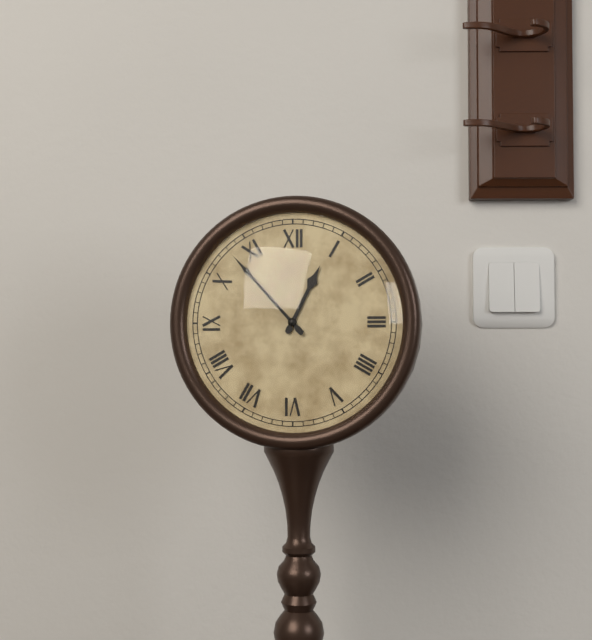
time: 12:53
